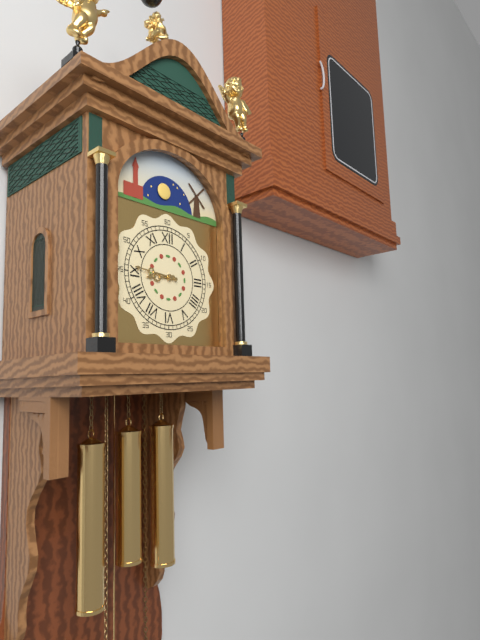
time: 8:46
